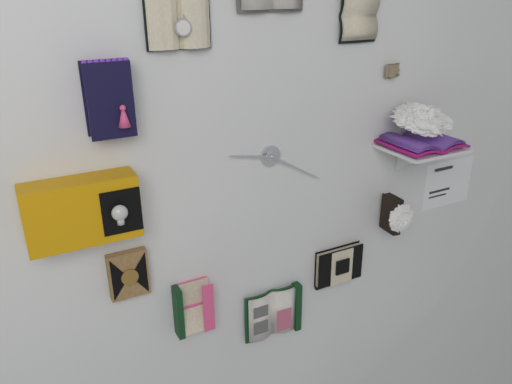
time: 9:20
